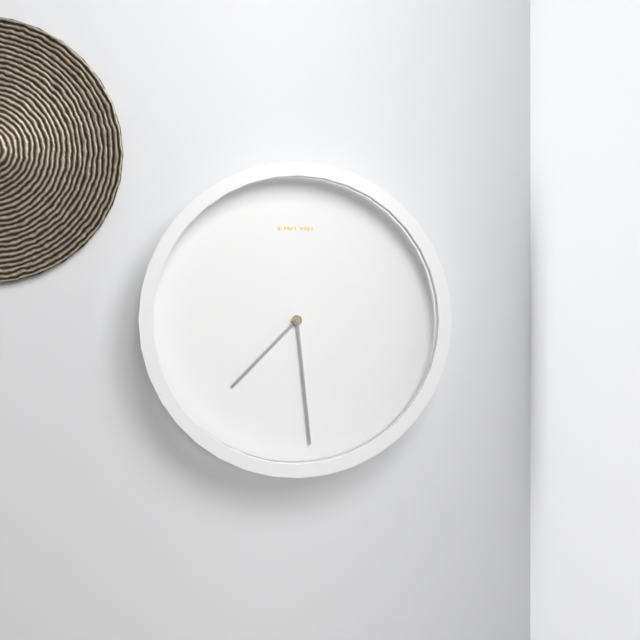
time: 7:29
